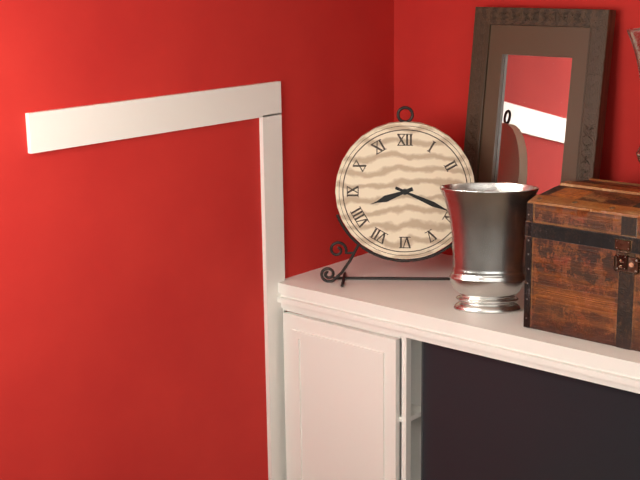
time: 8:19
